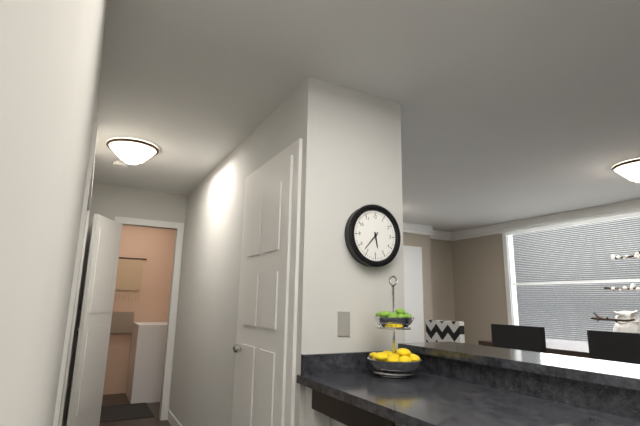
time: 5:37
